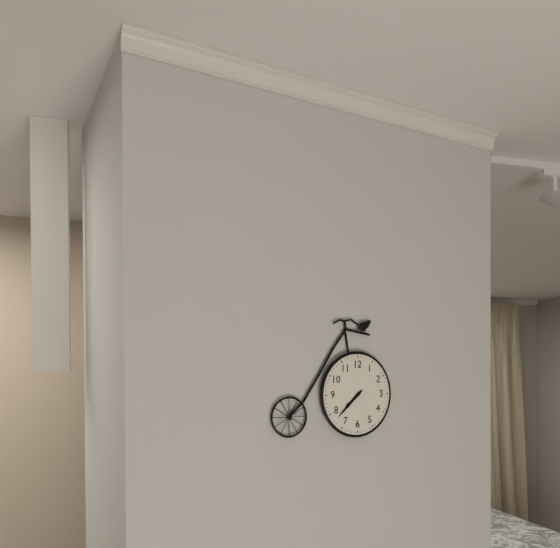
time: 7:38
